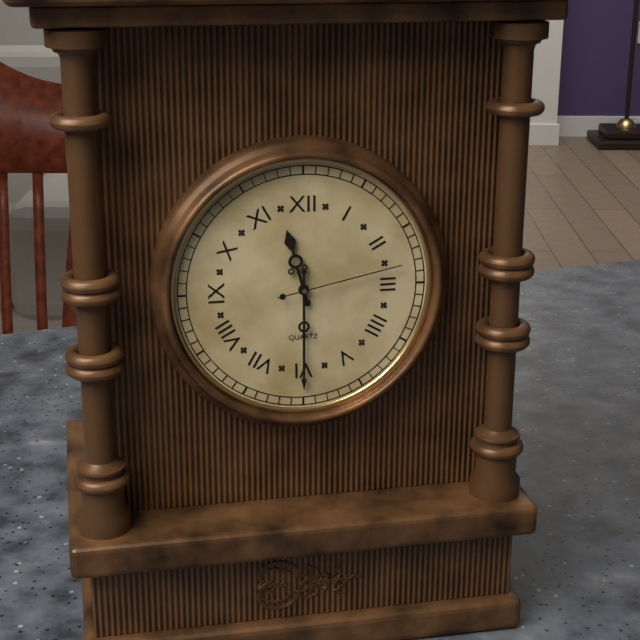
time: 11:30:13
